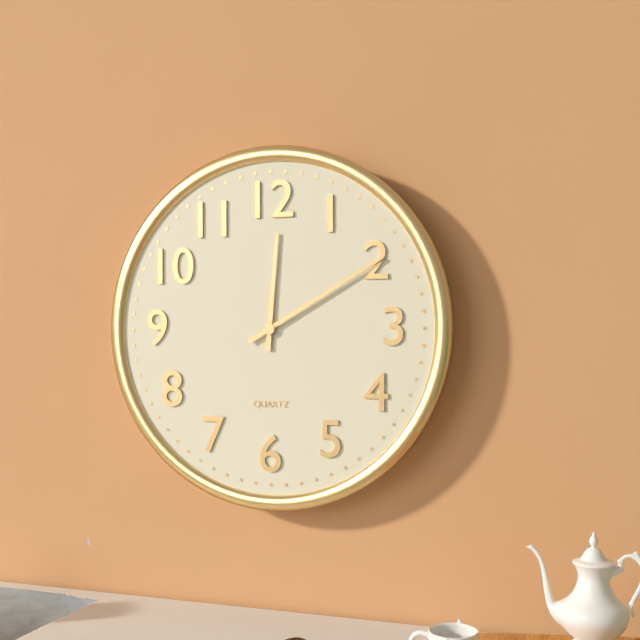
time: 12:10
